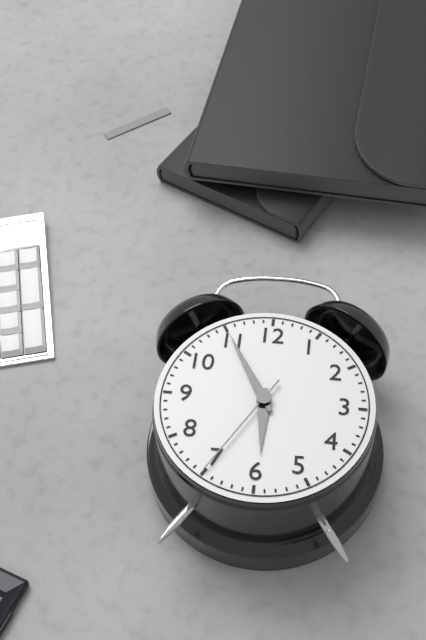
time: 5:55:35
